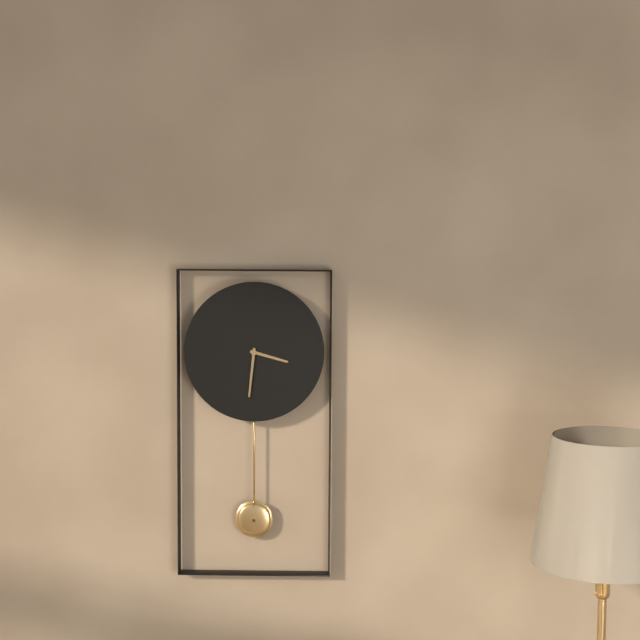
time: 3:31
